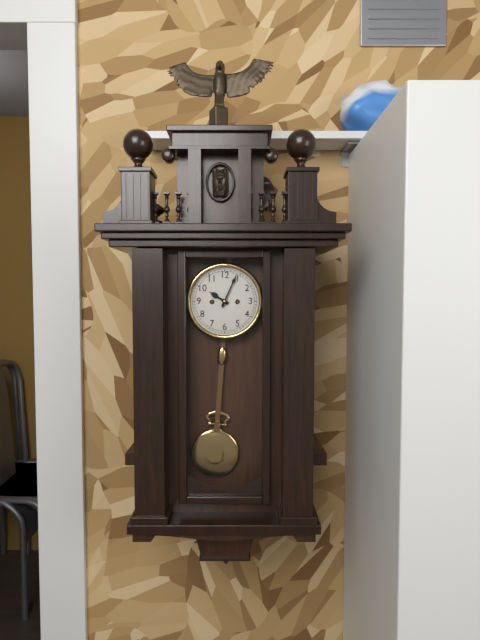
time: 10:04
